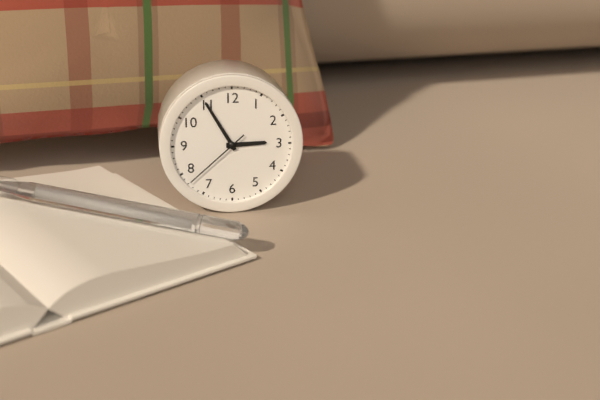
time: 2:55:38
